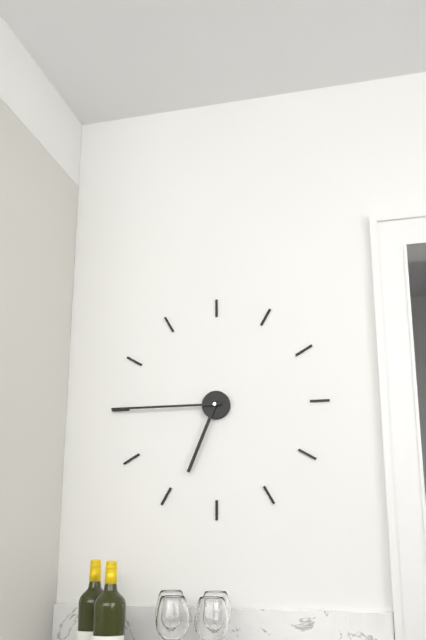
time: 6:45
